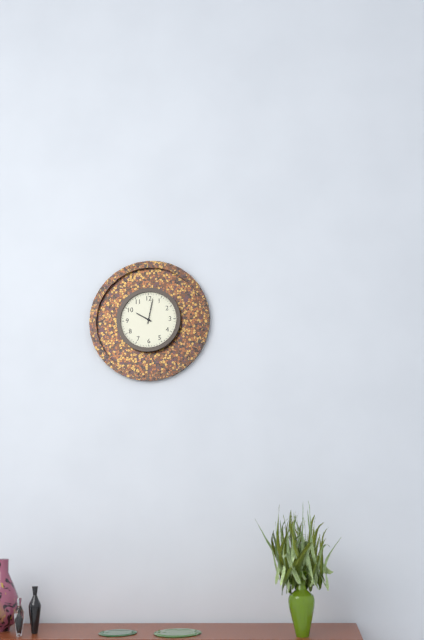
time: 10:02
